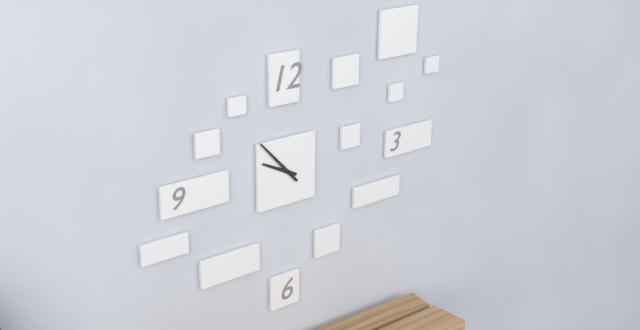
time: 9:53
